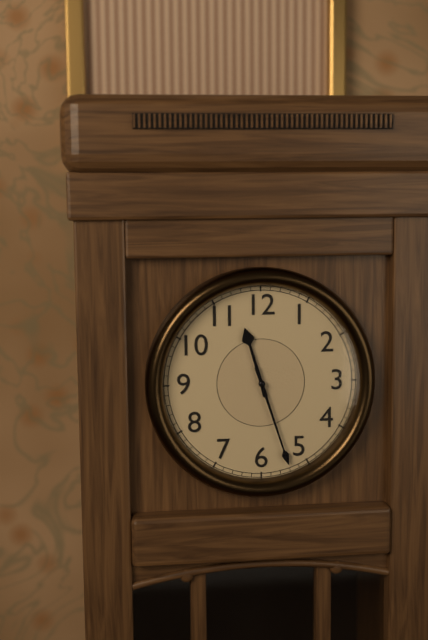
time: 11:27
